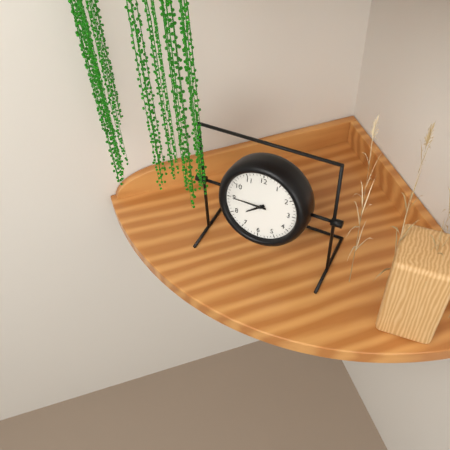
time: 7:45
